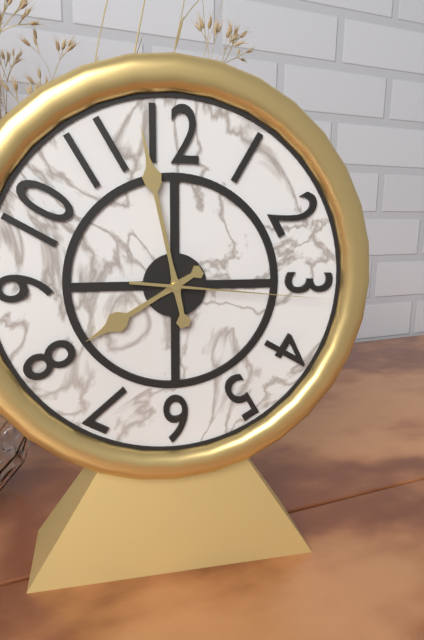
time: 7:58:16
